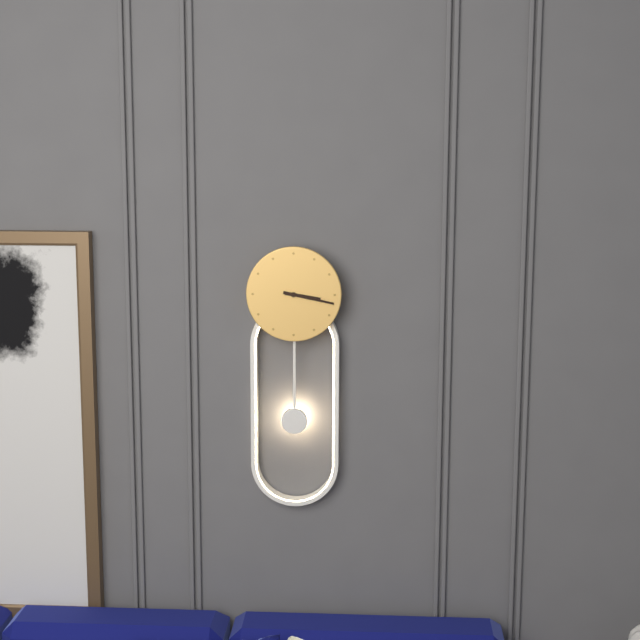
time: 3:17
